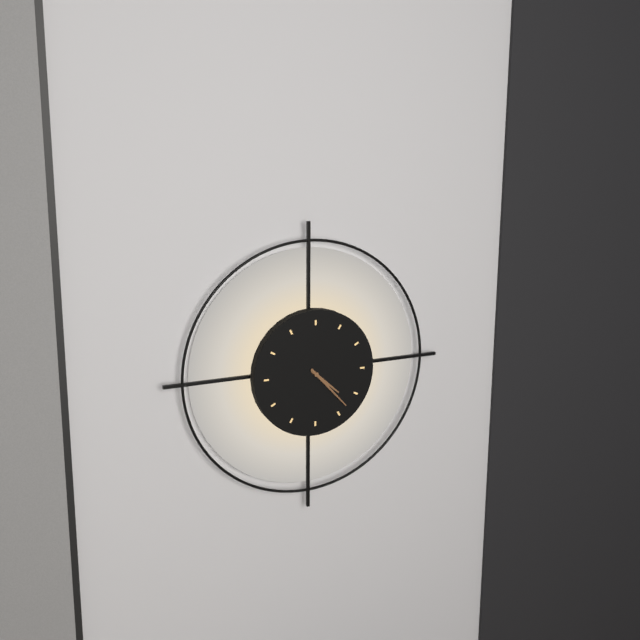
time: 4:23
